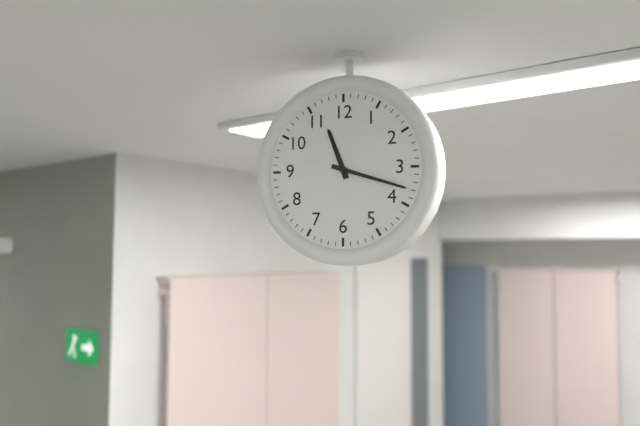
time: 11:18
